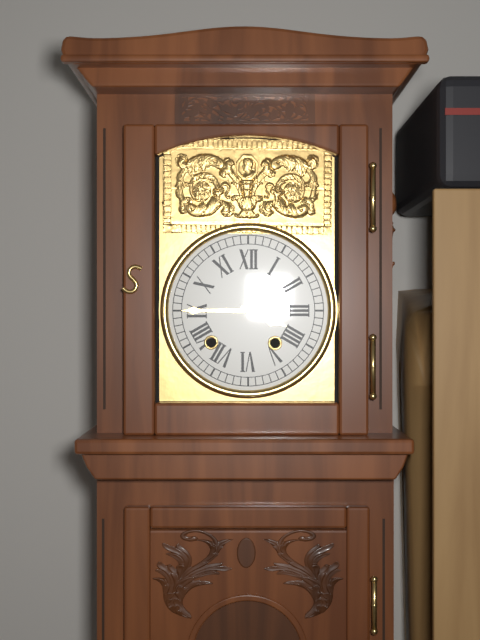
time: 3:45
